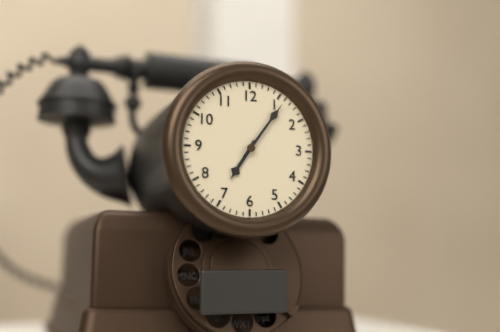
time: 7:06
